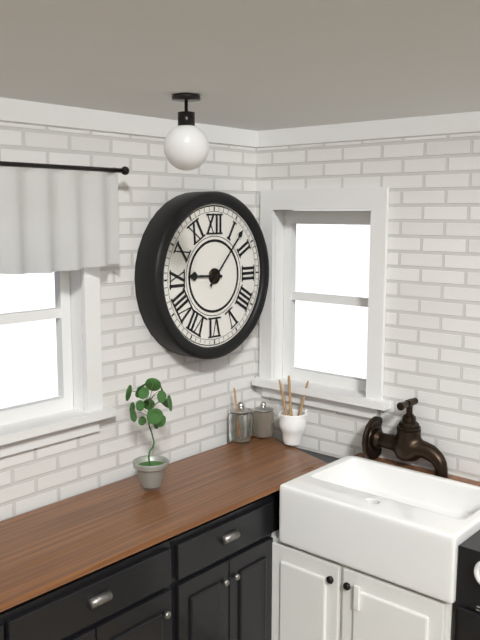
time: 9:07
